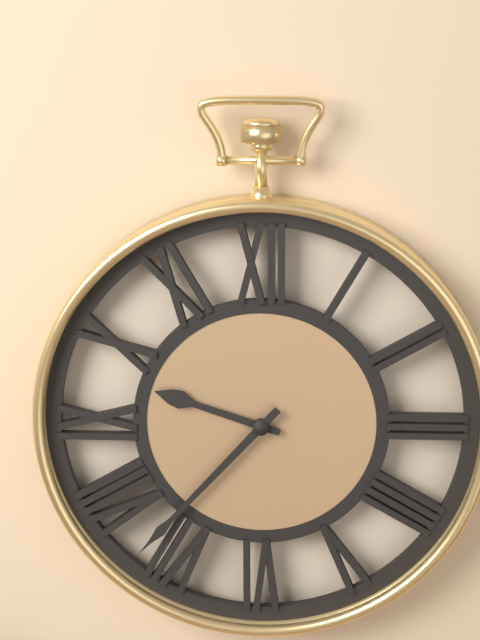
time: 9:37
